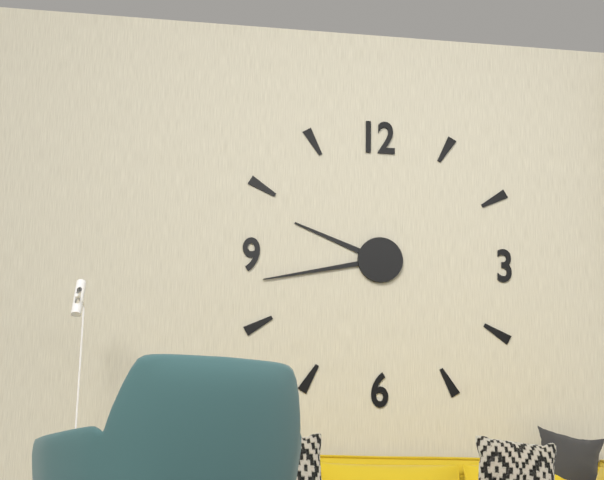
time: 9:43
